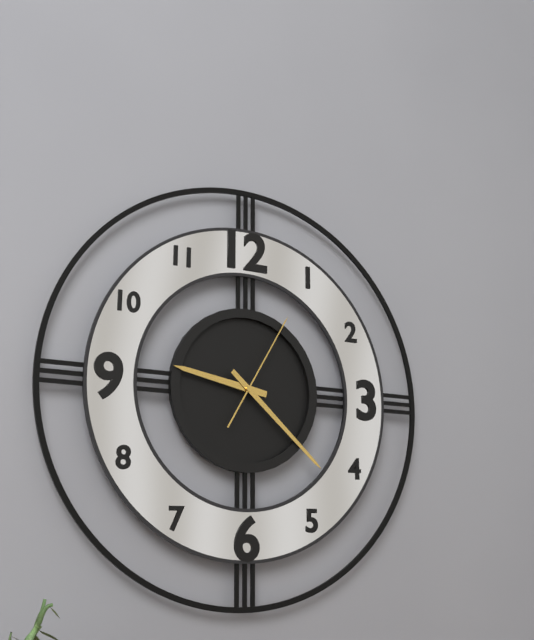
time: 9:22:05
